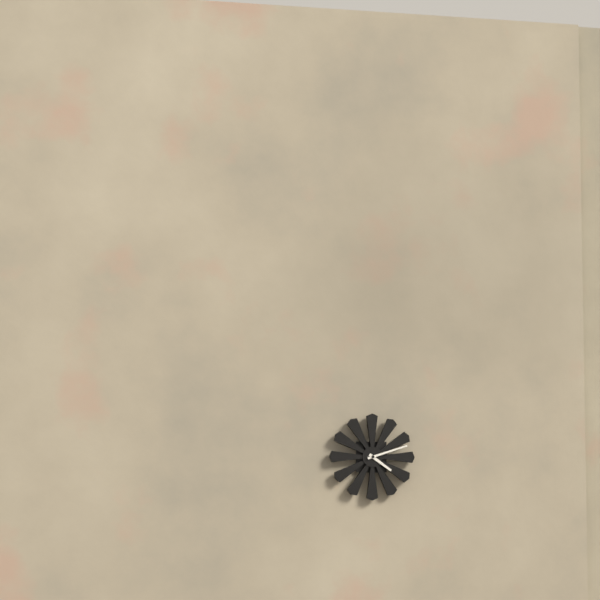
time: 4:12
